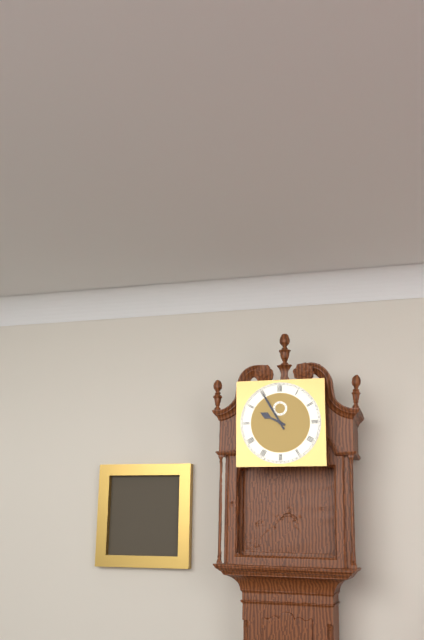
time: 9:55
